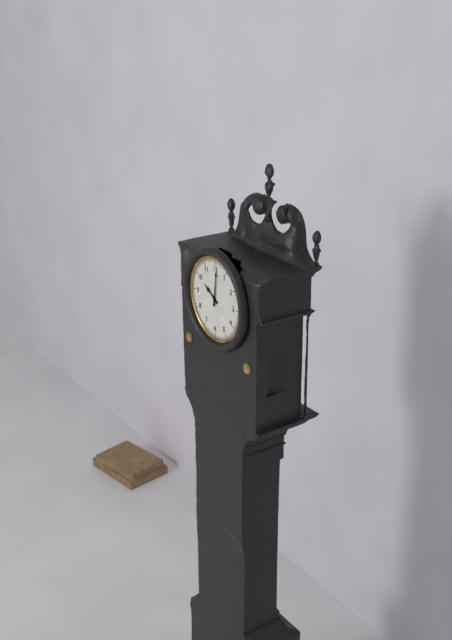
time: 10:01
